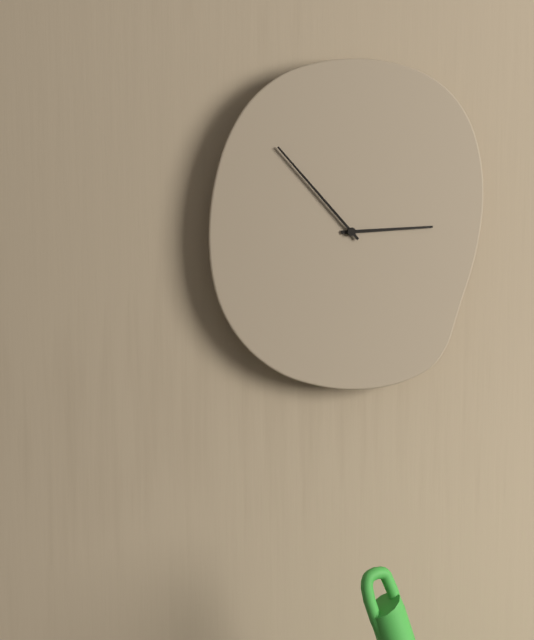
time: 2:53
